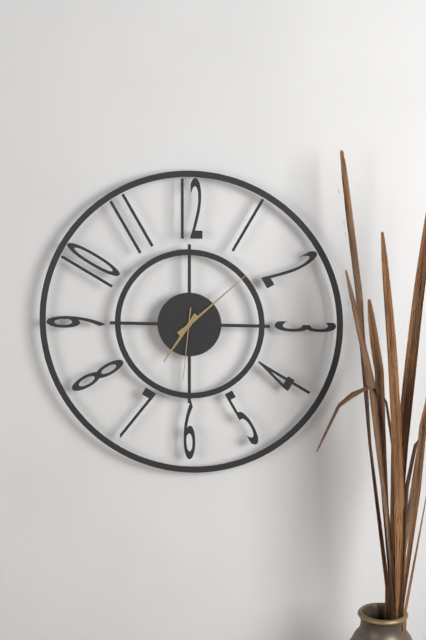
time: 7:08:31
